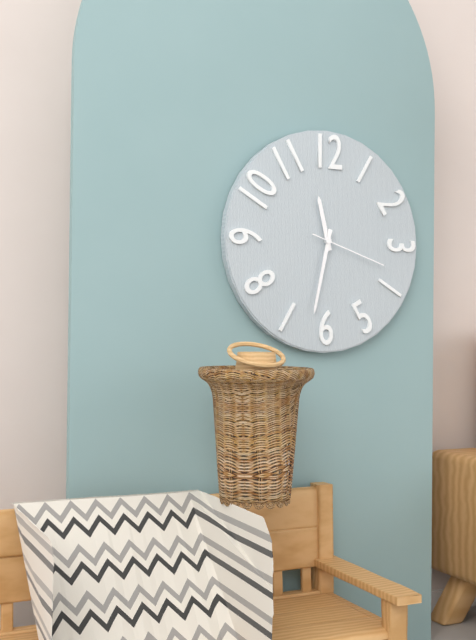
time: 11:32:18
